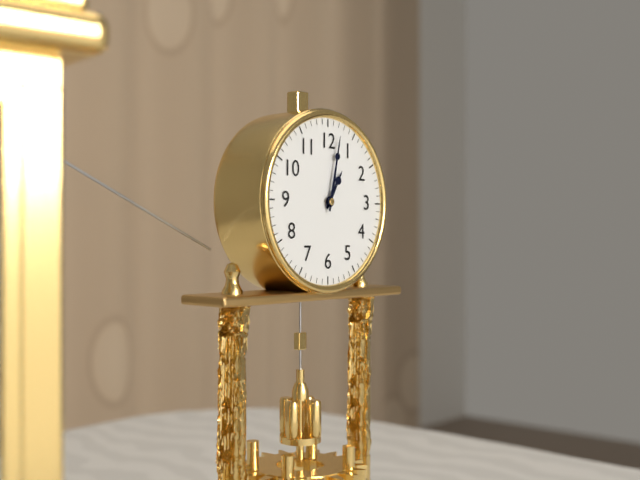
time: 1:02
